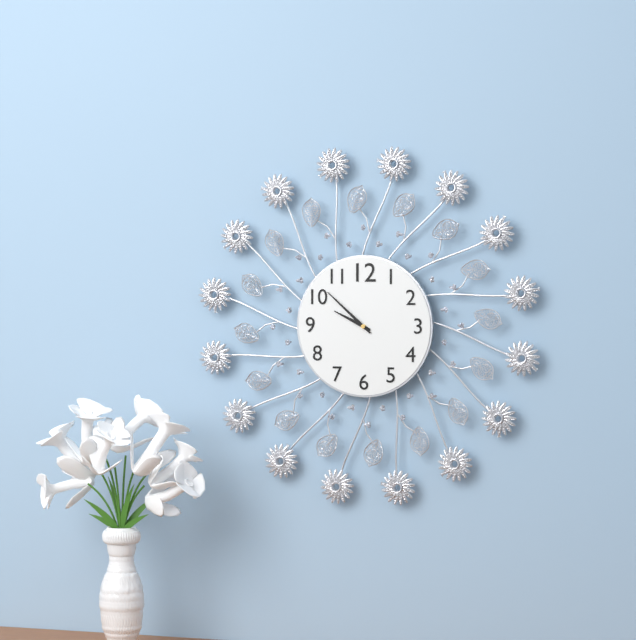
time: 9:52
